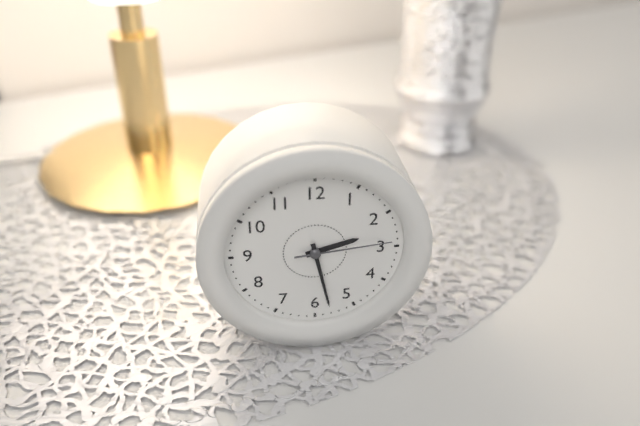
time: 2:28:14
